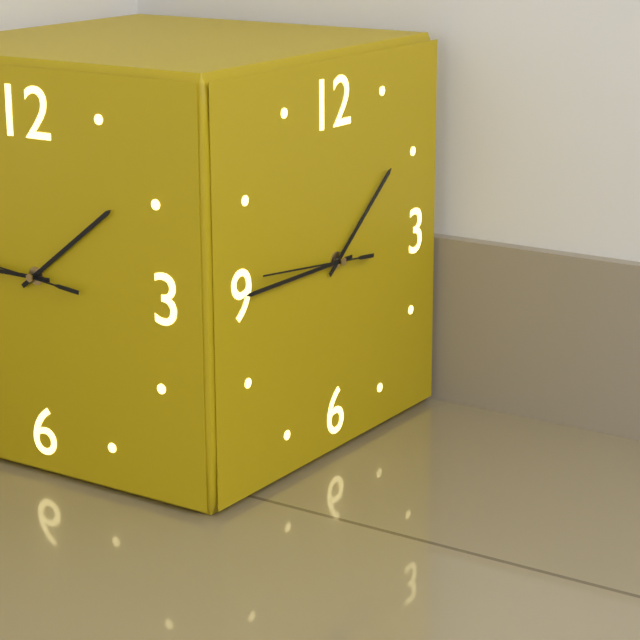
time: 1:45:46
